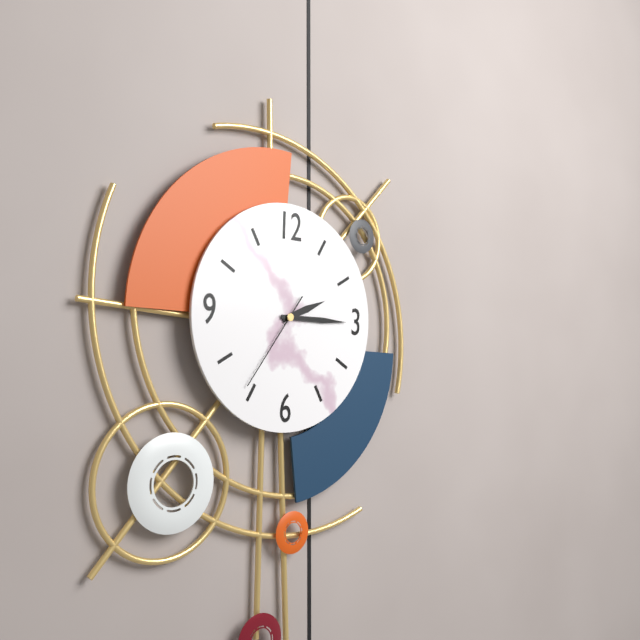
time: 2:15:36
